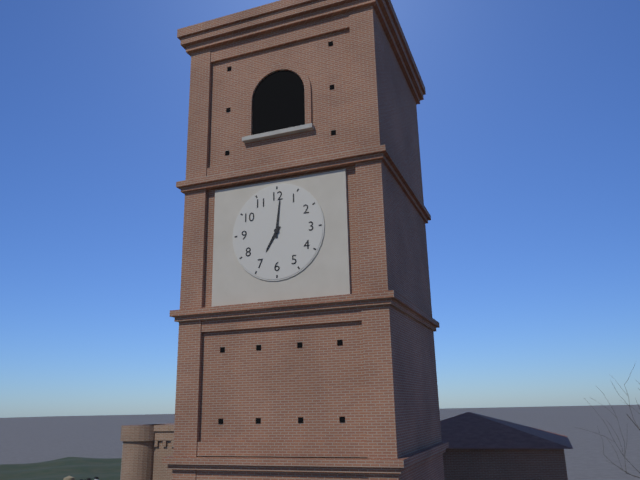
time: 7:01
